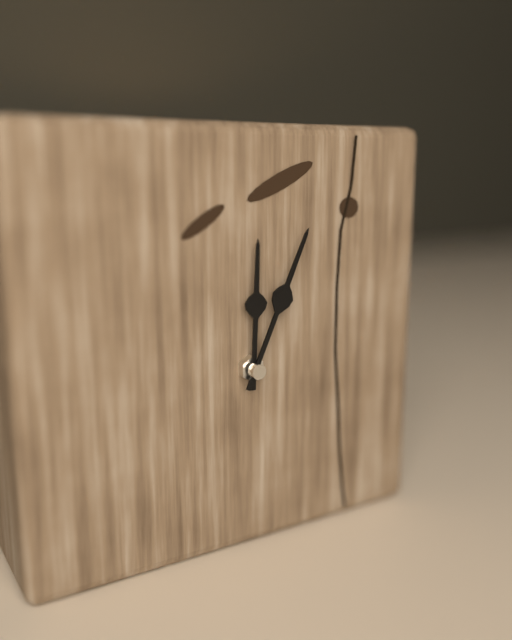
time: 12:04
